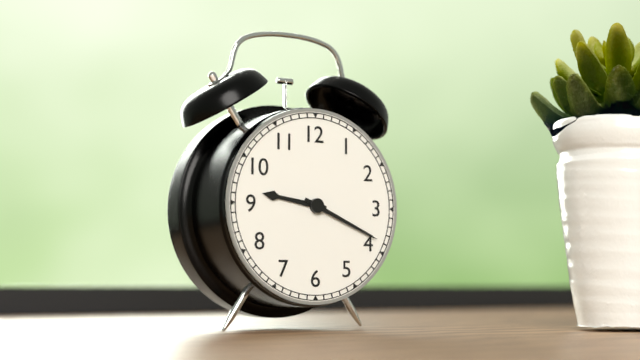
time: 9:19
